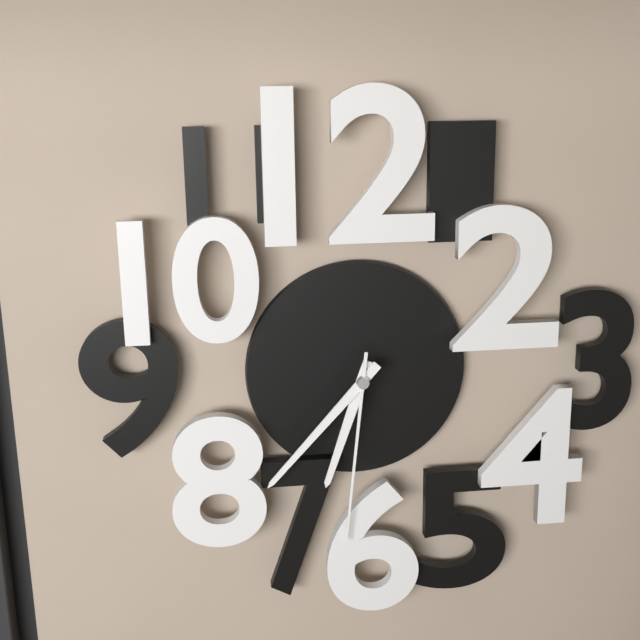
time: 6:37:31
